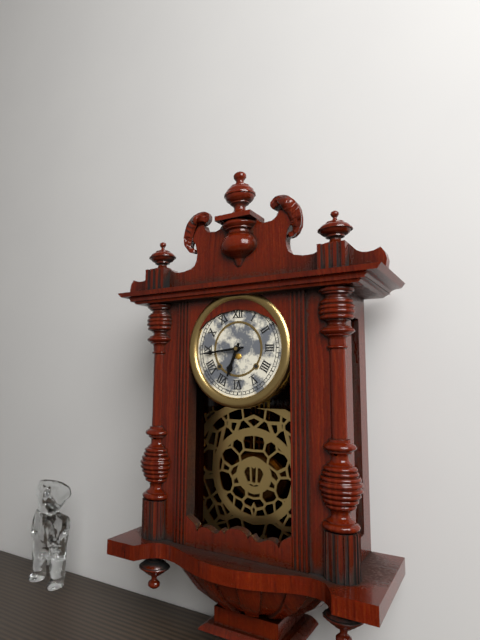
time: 6:44
